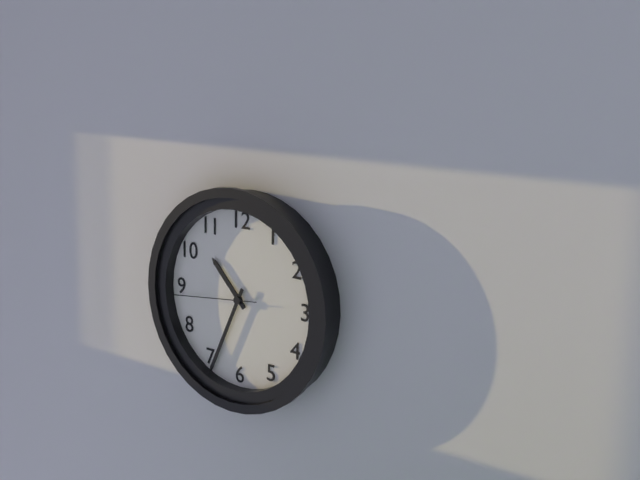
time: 10:34:44
